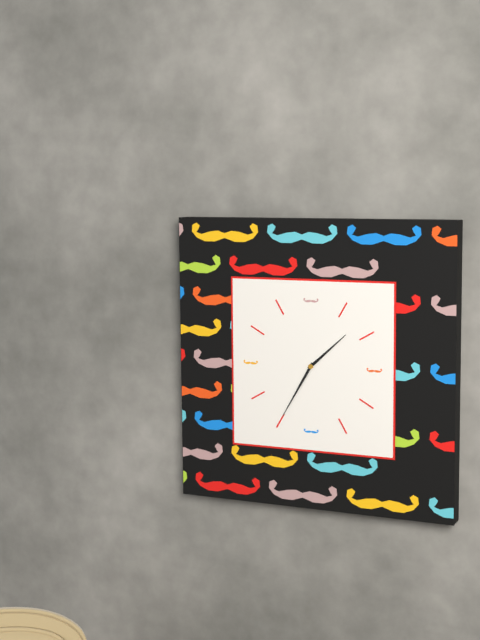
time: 1:35
